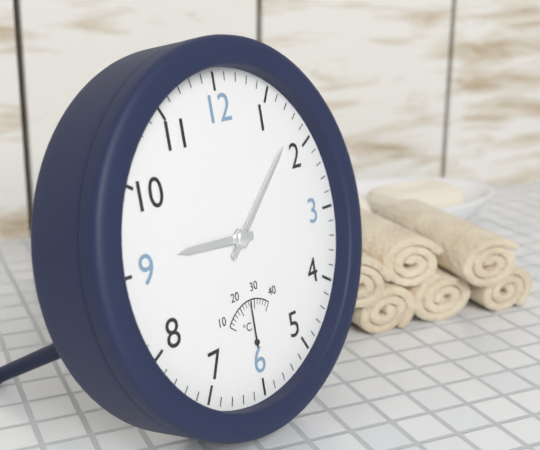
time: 9:08
